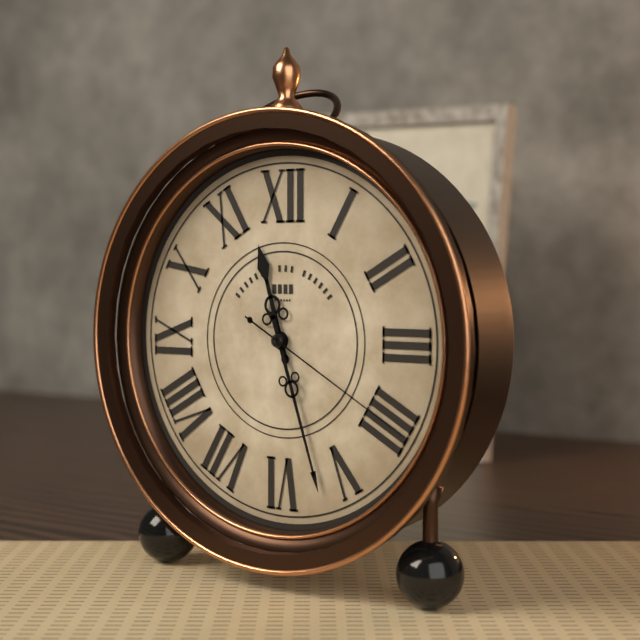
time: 11:27:20
